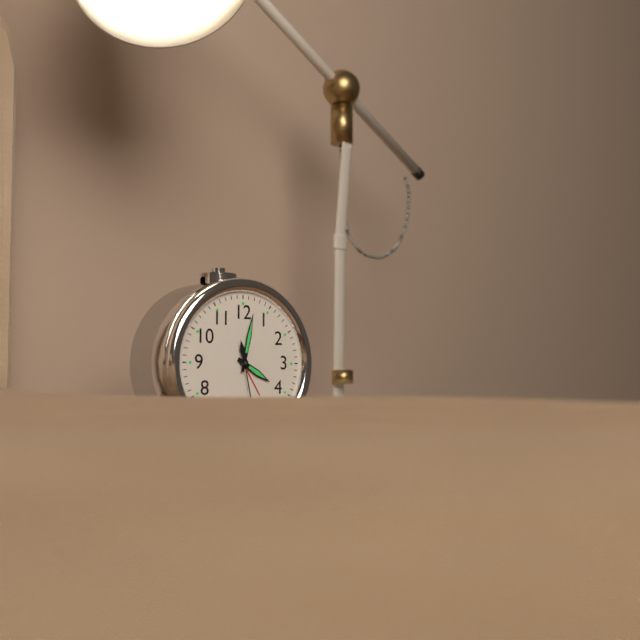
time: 4:02
